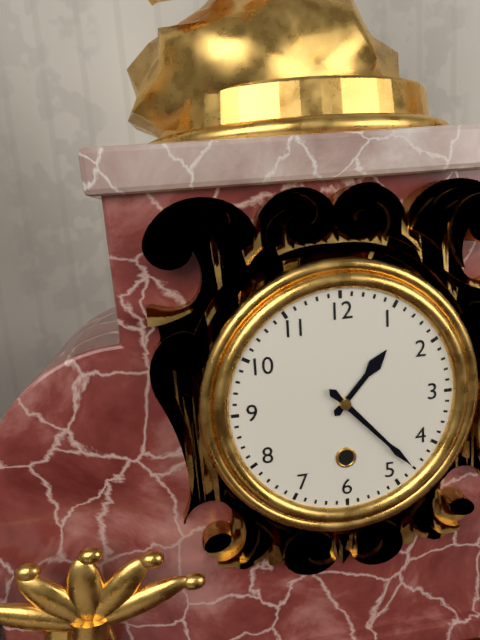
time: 1:23
